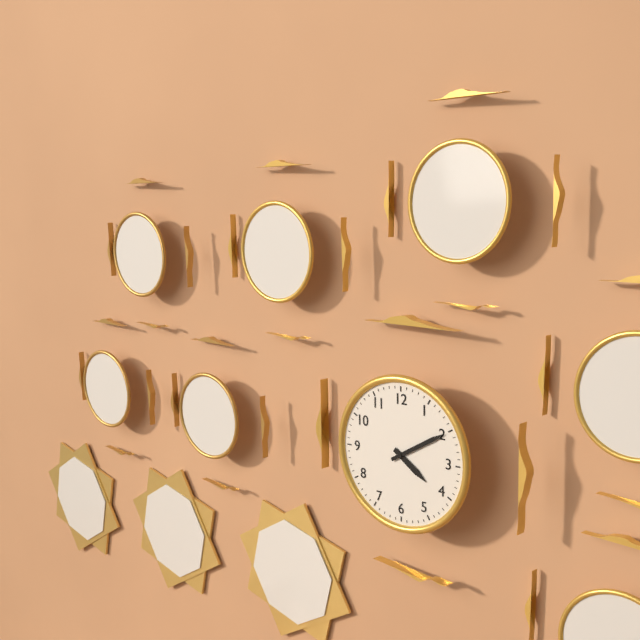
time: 4:10
